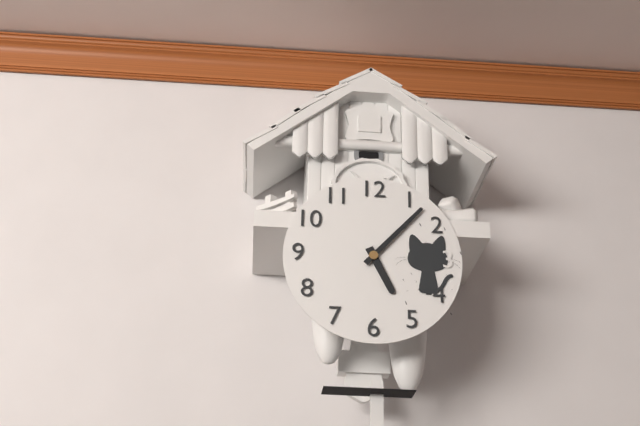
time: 5:07
